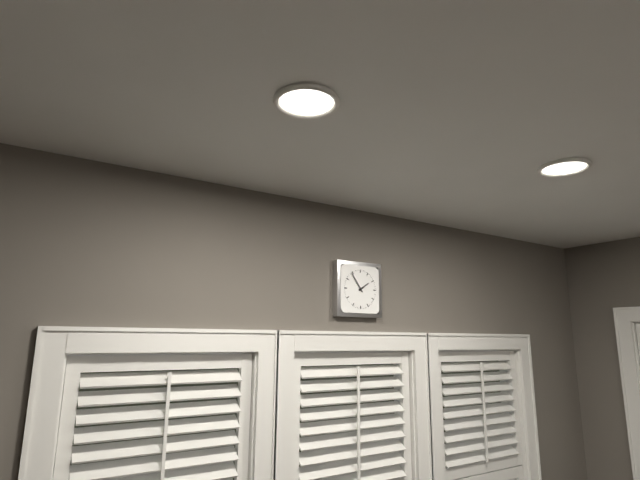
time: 1:54
